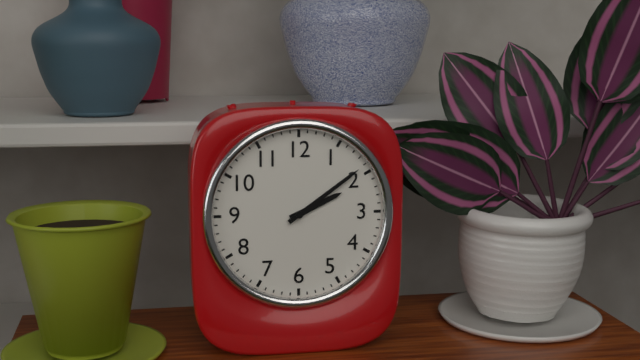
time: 2:09
